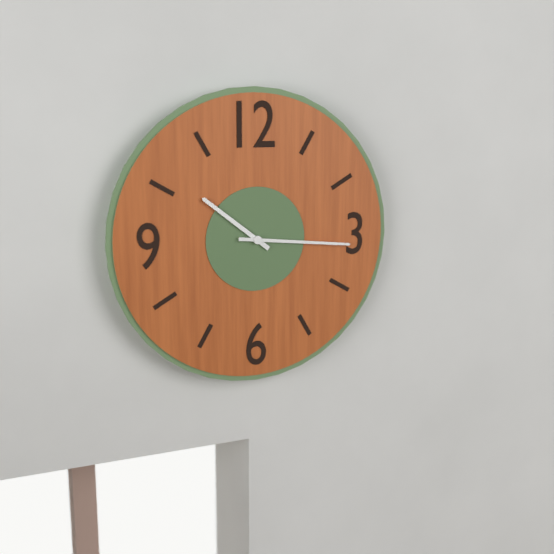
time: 10:16
